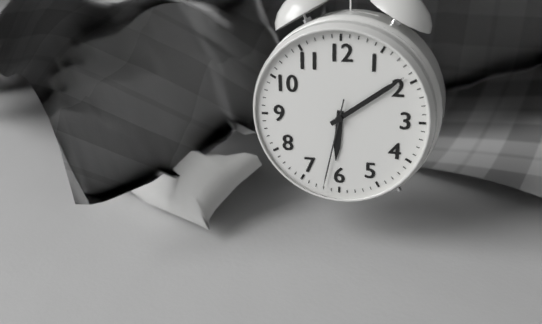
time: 6:09:32
